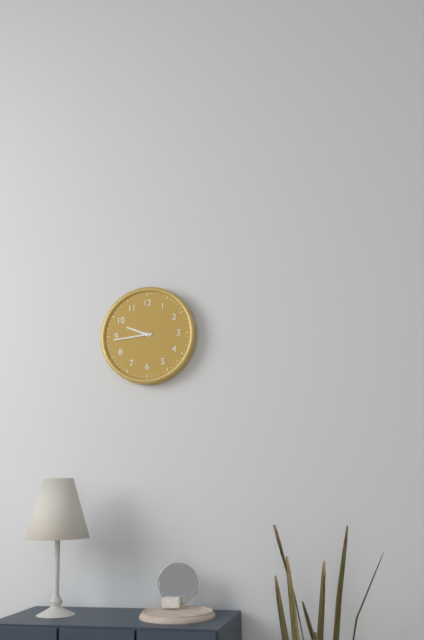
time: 9:44
